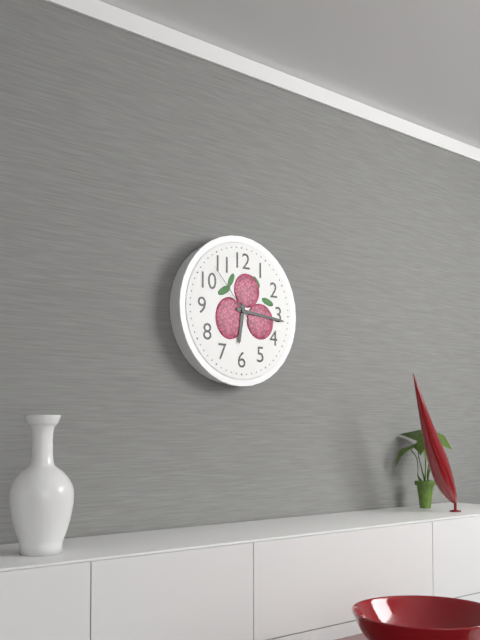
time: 6:16:53
